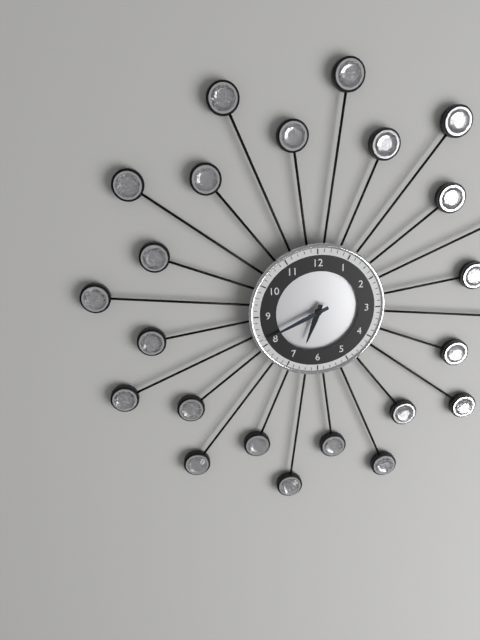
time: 6:41
